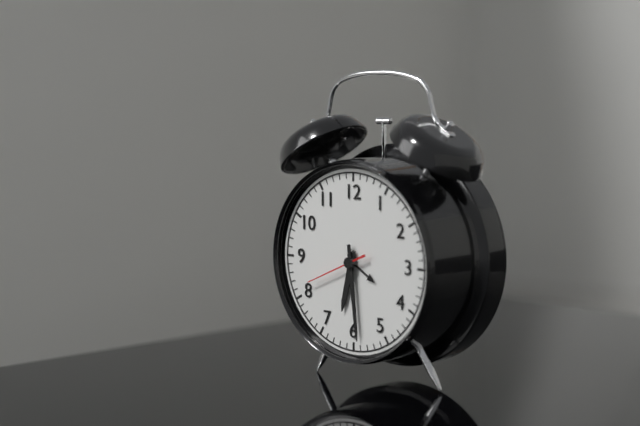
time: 6:29:41
